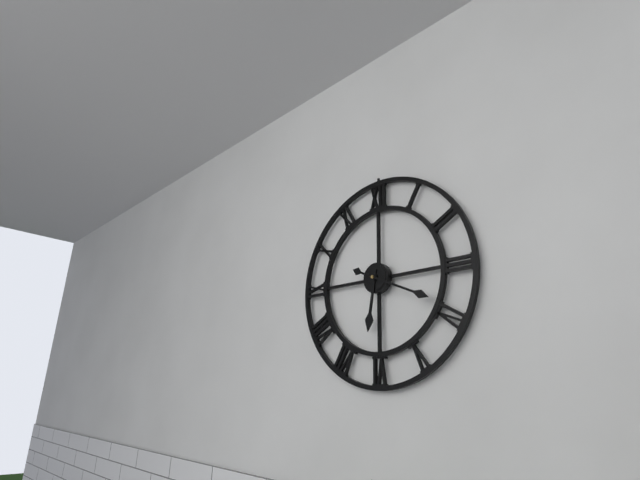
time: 6:19
